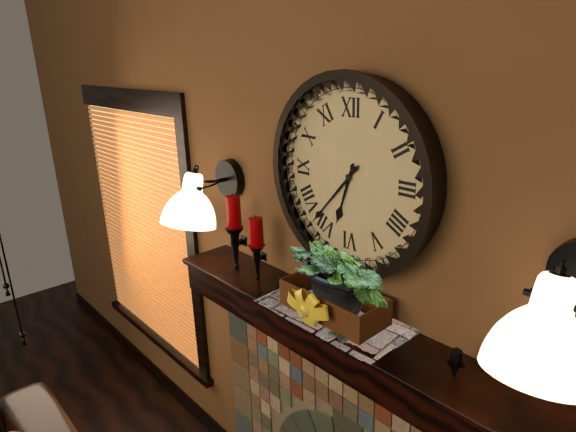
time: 6:37
